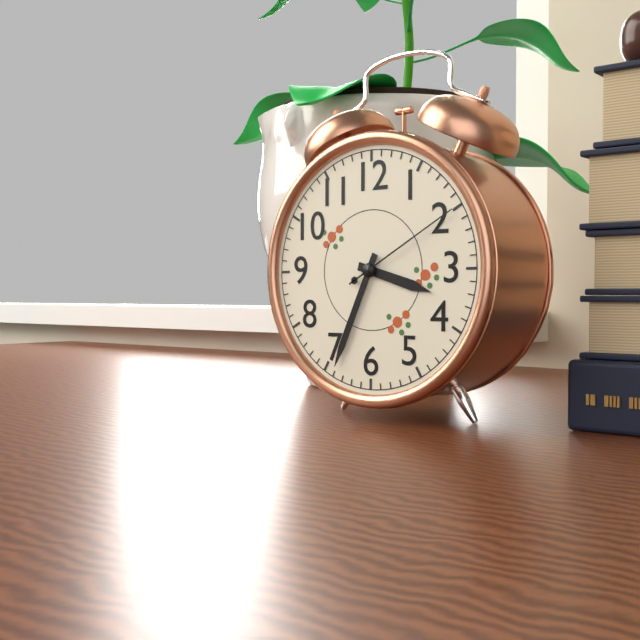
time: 3:34:10
